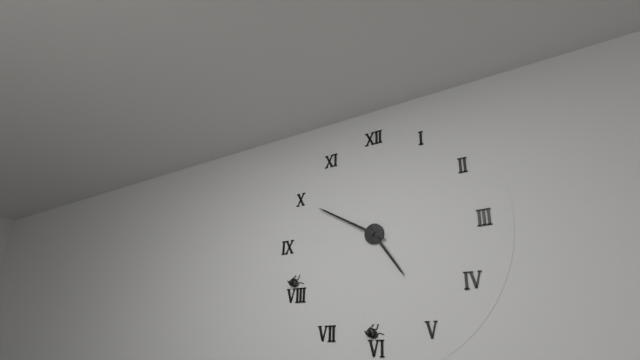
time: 4:50
